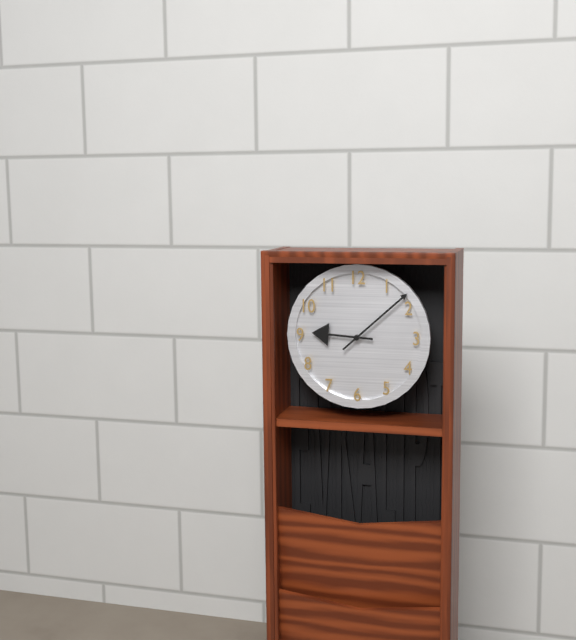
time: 9:08
